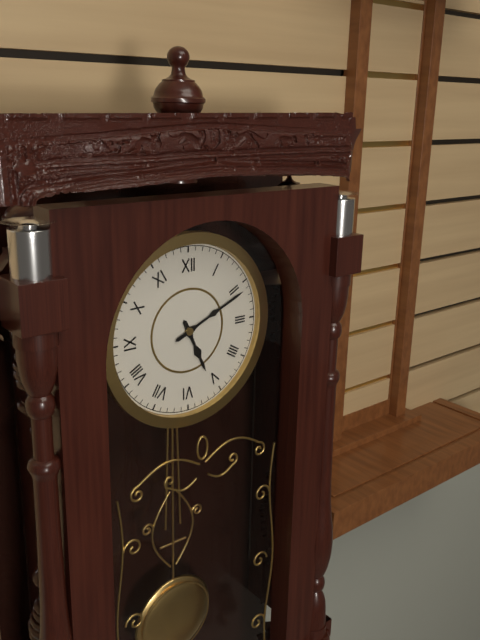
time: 5:11
